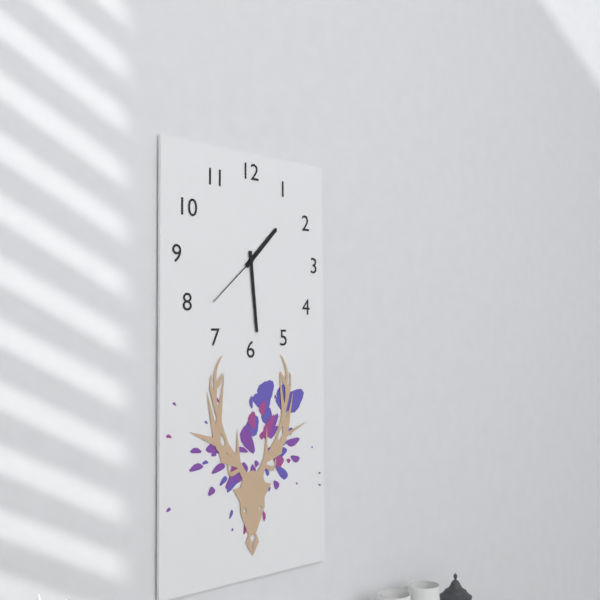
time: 1:29:38
